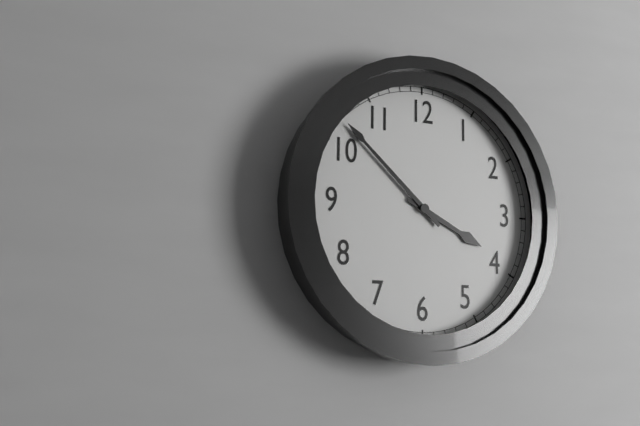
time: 3:52
